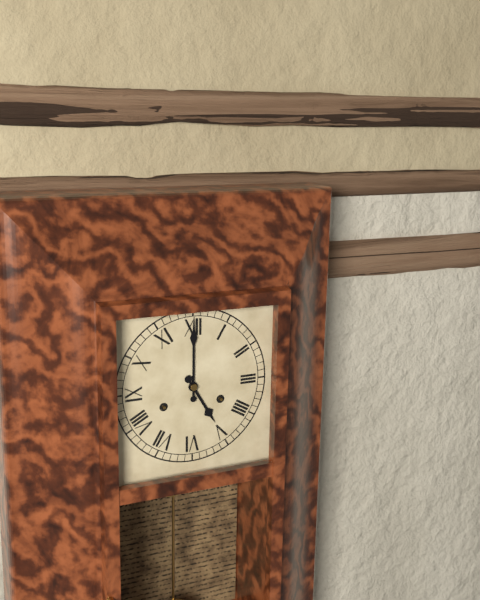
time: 5:00
